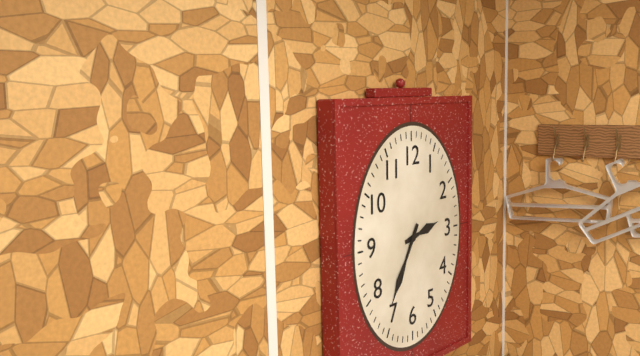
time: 2:35
